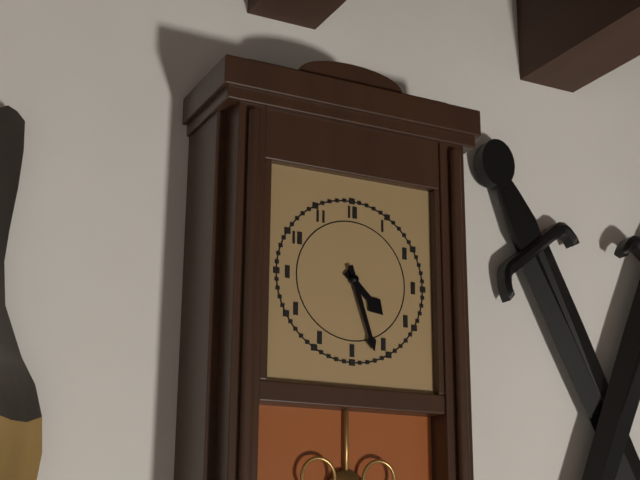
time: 4:27
